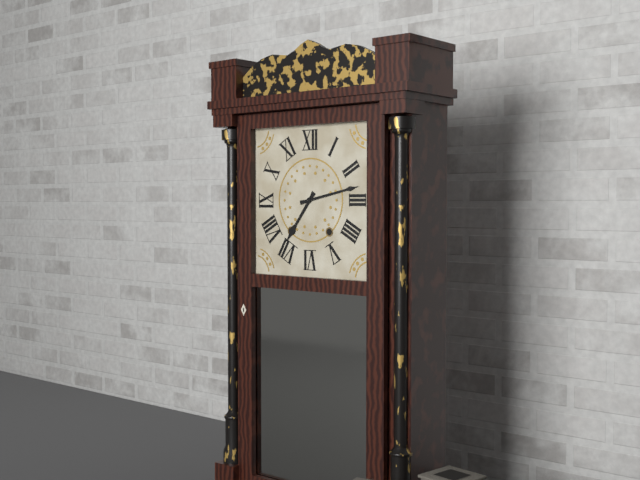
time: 7:13
